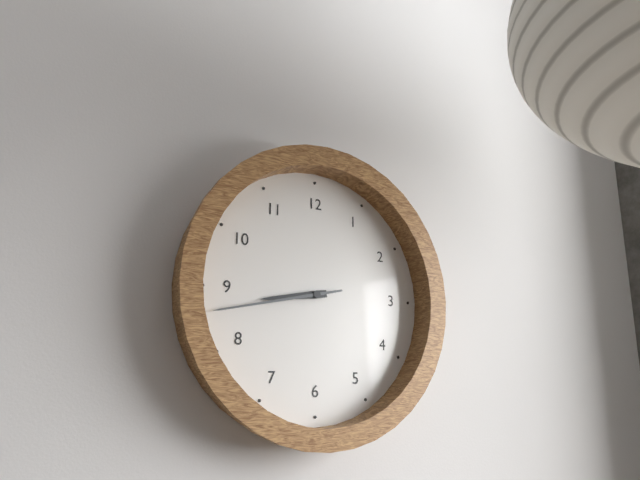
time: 8:43
